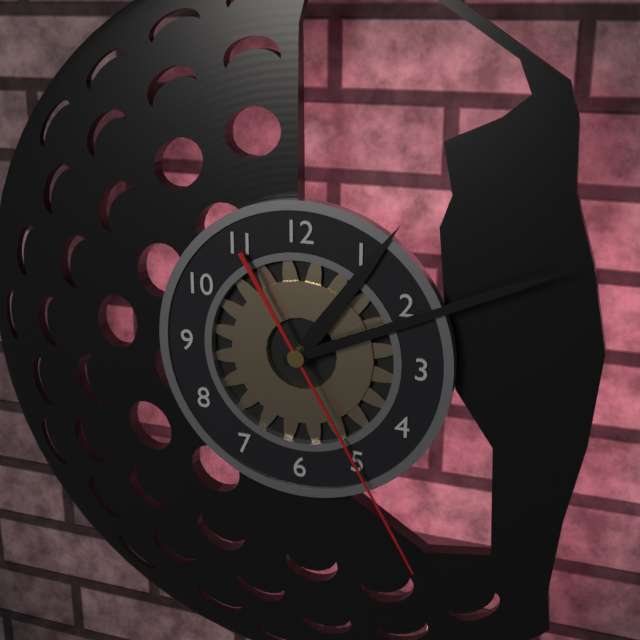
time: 1:11:25
